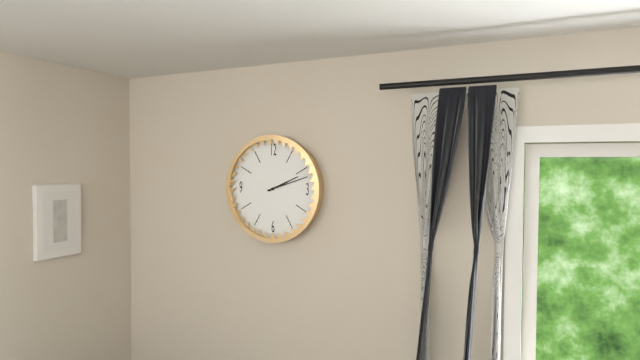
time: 2:12
